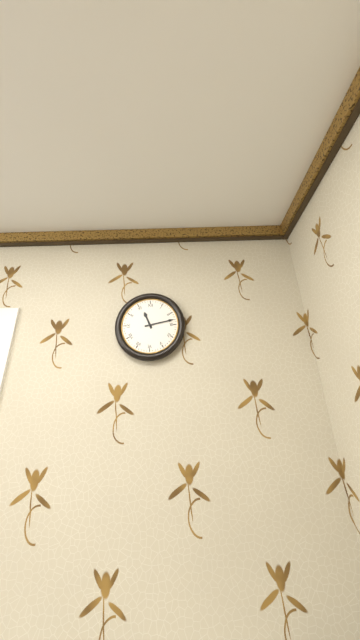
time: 11:13
